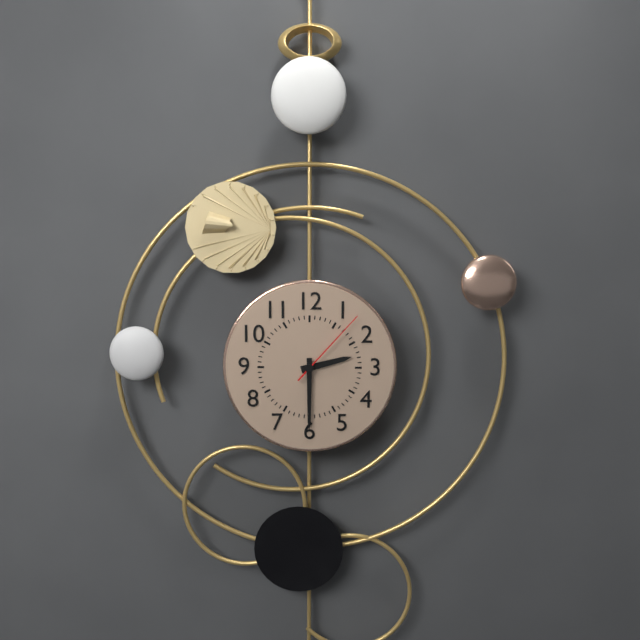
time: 2:30:07
